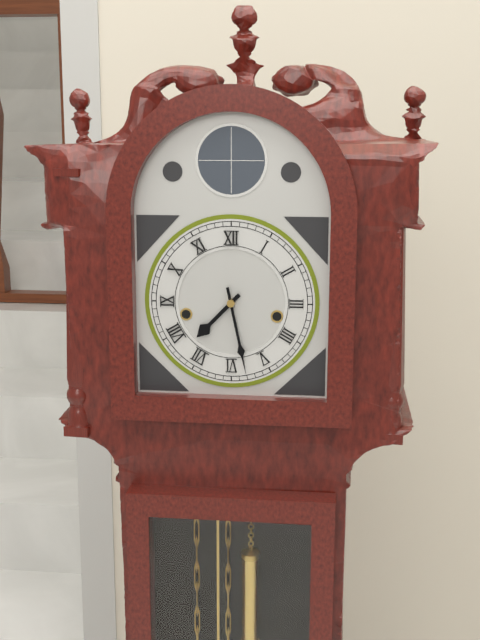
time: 7:28
